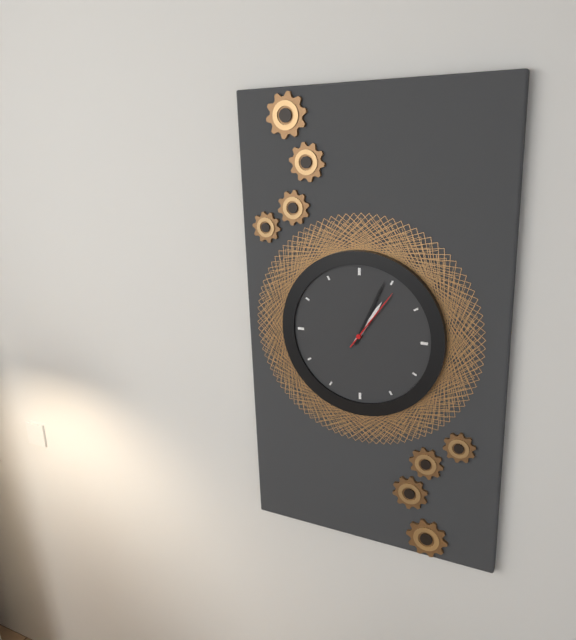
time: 1:04:06
